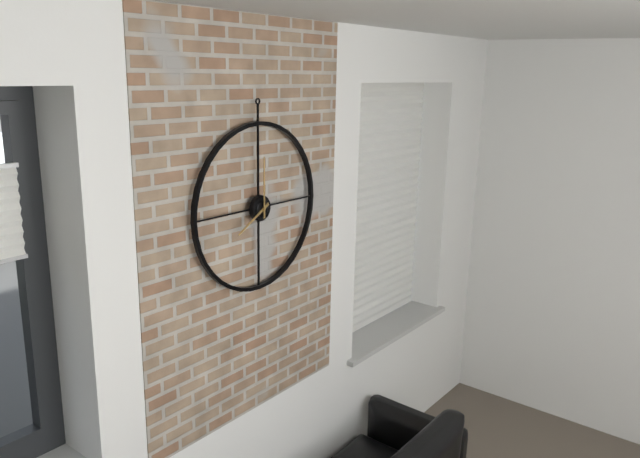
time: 8:00
